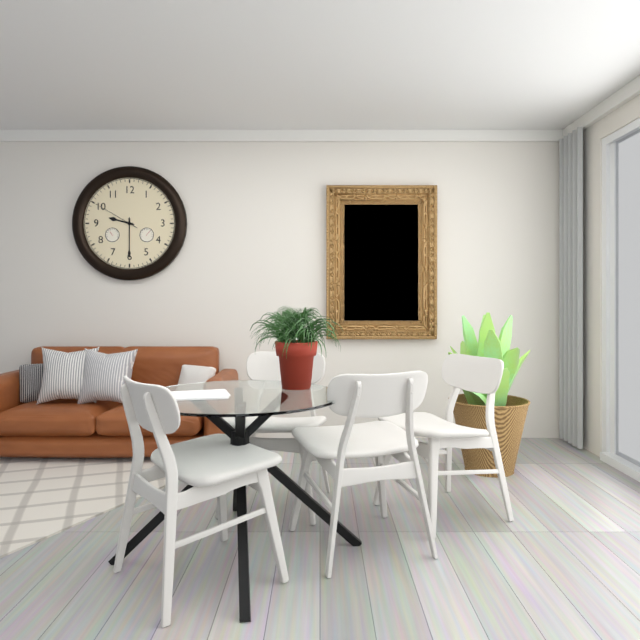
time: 9:30
